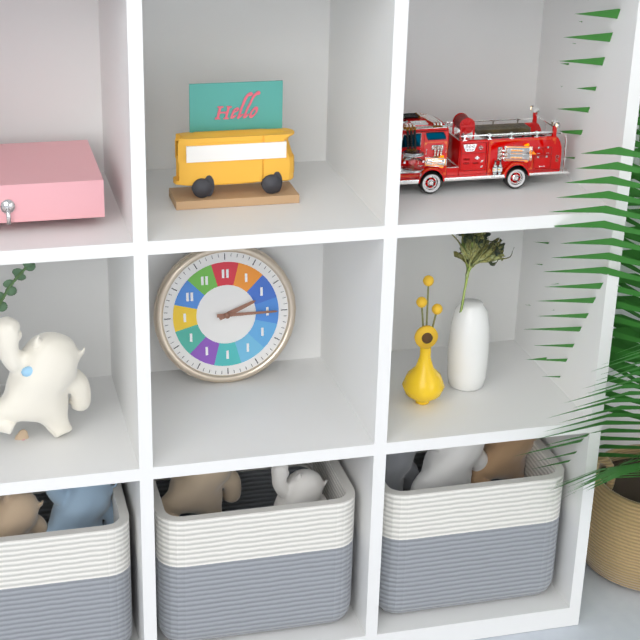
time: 2:15
